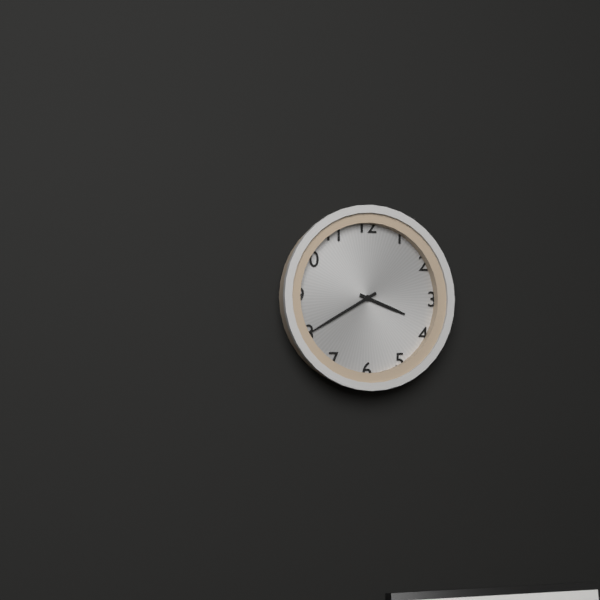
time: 3:40
